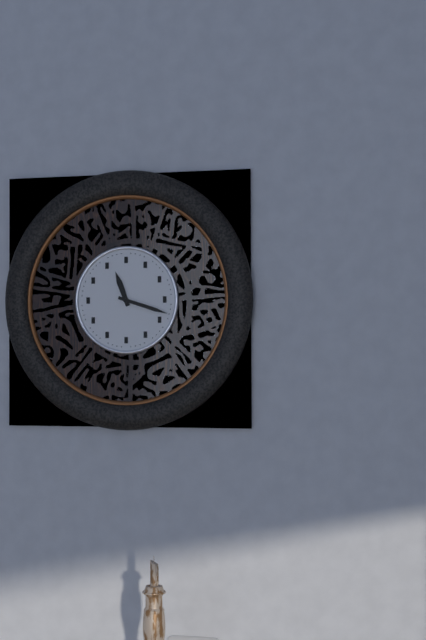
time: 11:18
